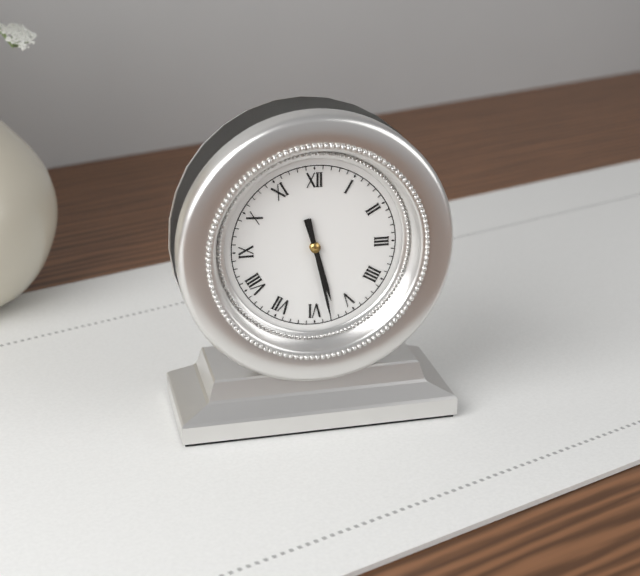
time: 5:28
